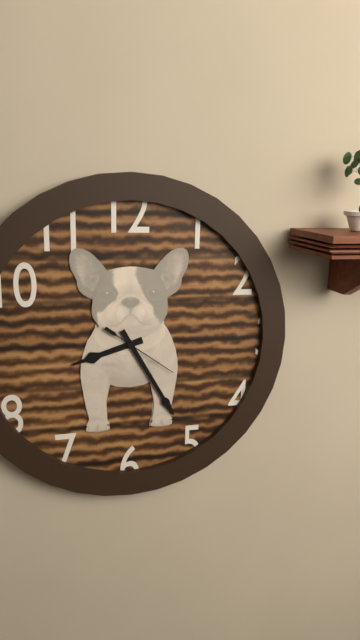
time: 8:25:21
